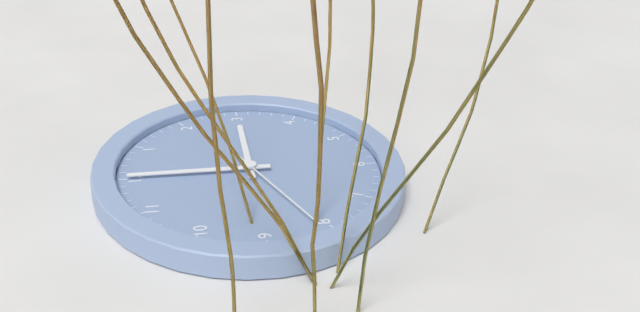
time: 3:00:41
